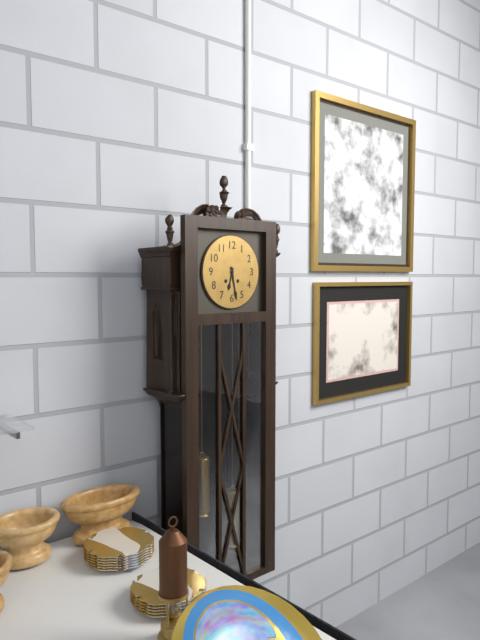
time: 6:28
